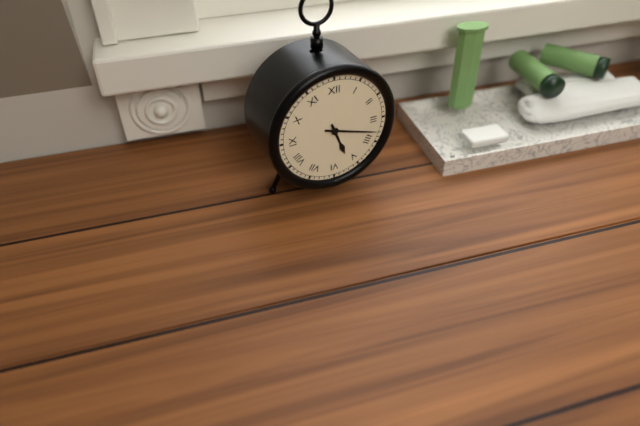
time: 5:18
